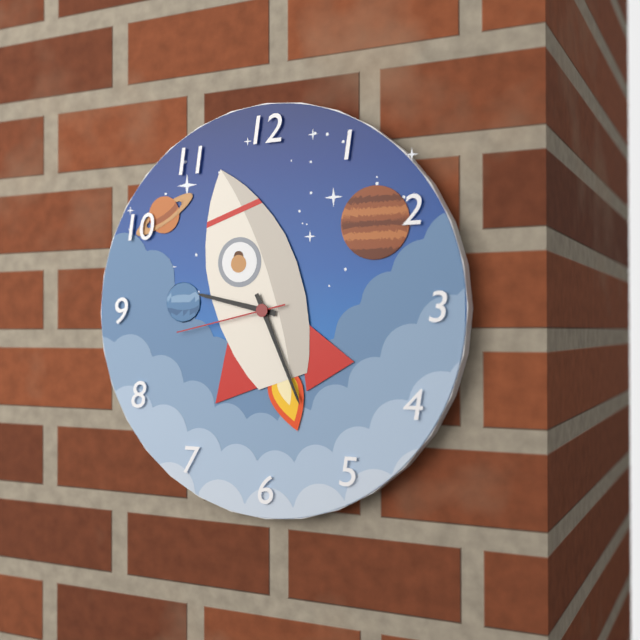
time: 9:26:43
